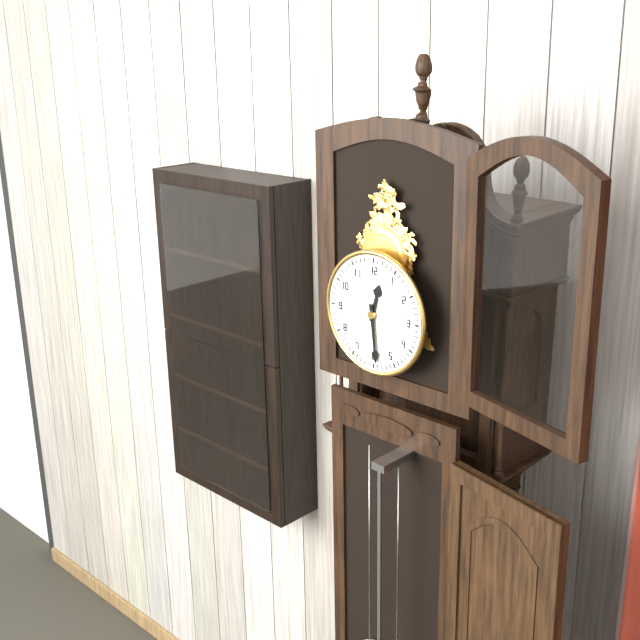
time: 12:29
